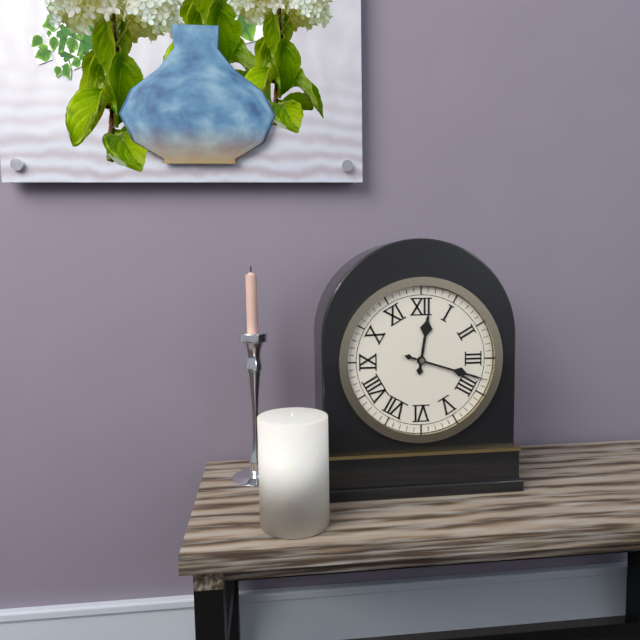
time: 12:18
